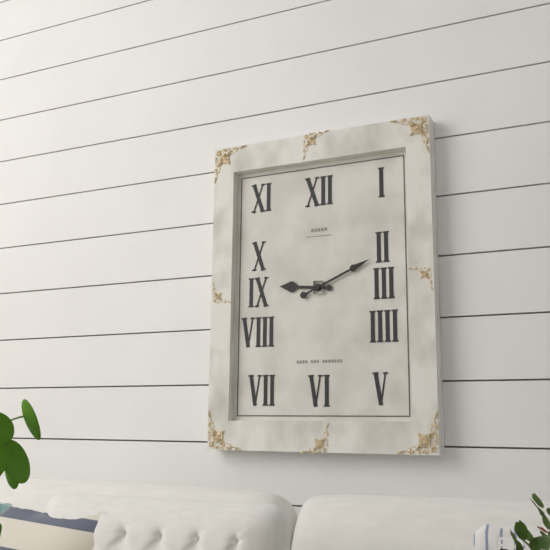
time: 9:11
